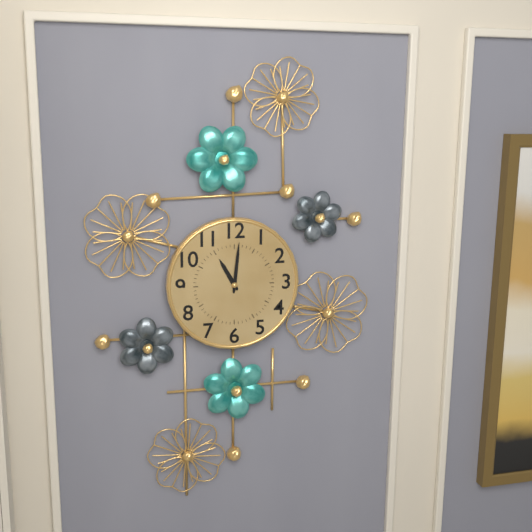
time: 11:01
